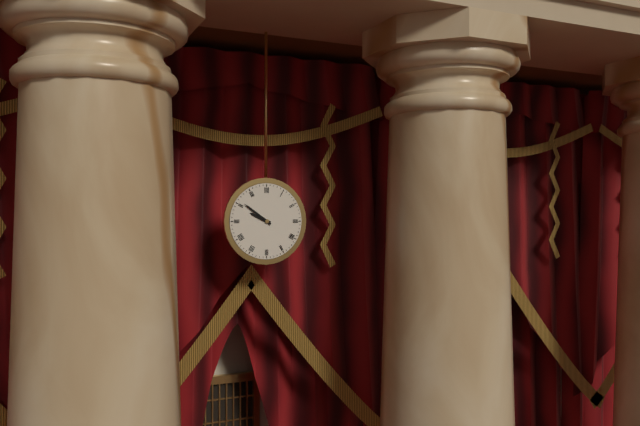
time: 9:51
